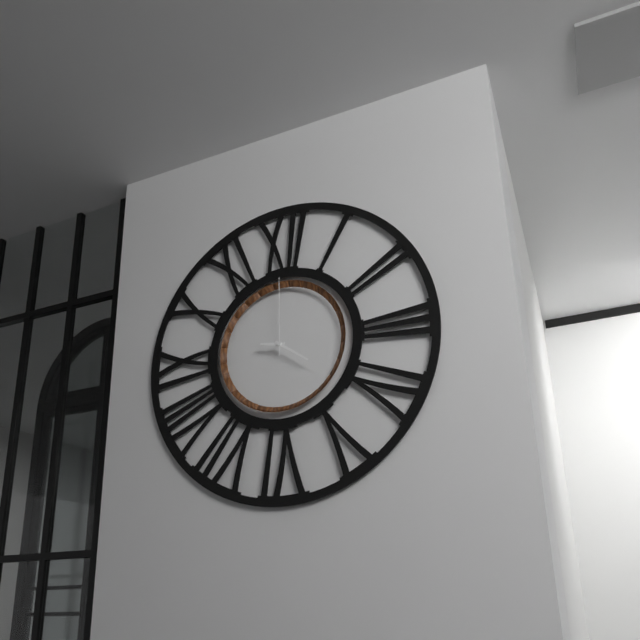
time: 9:21:00
